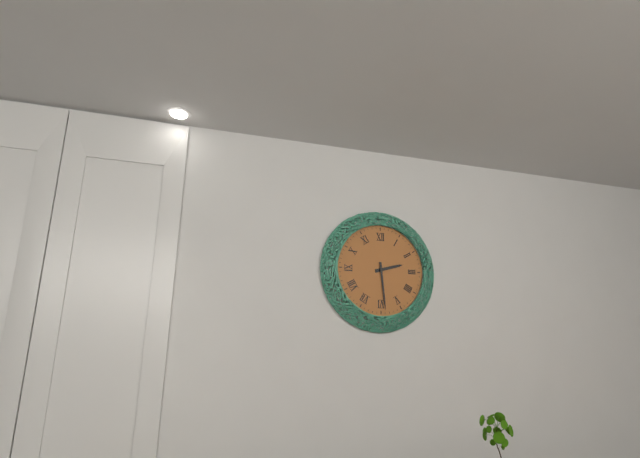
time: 2:29
